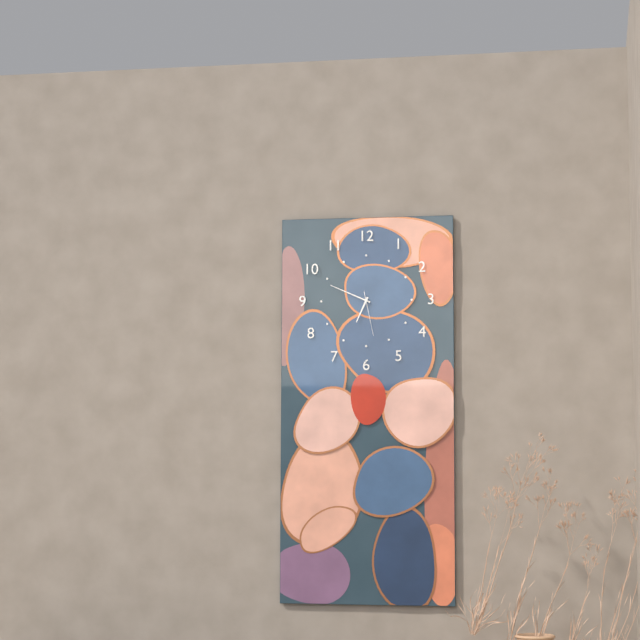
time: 6:49
